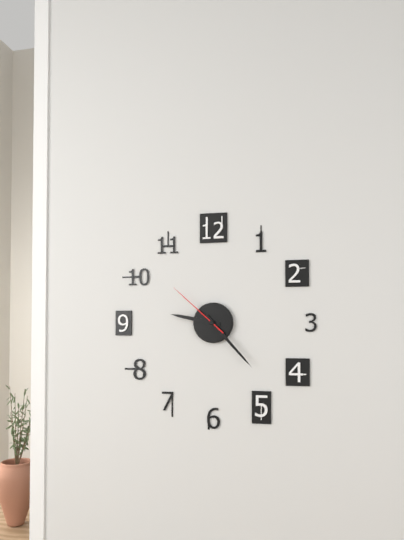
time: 9:23:52
